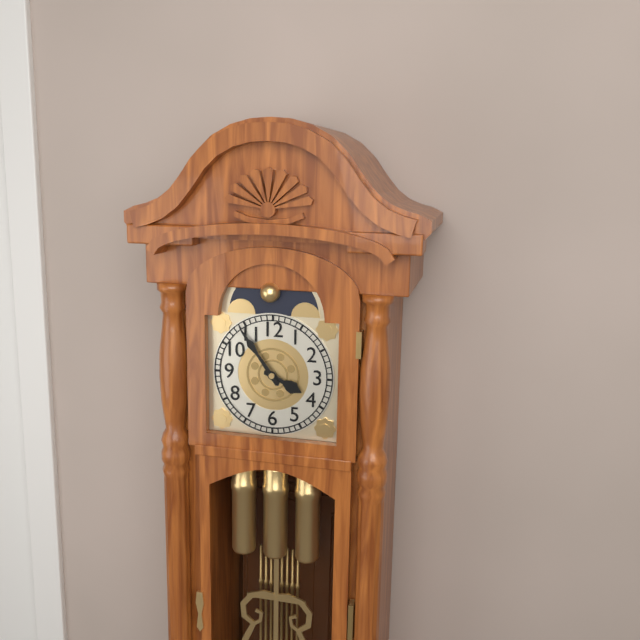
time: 3:54
